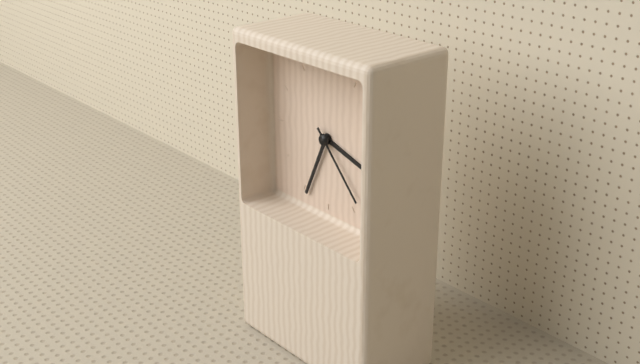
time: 3:34:23
